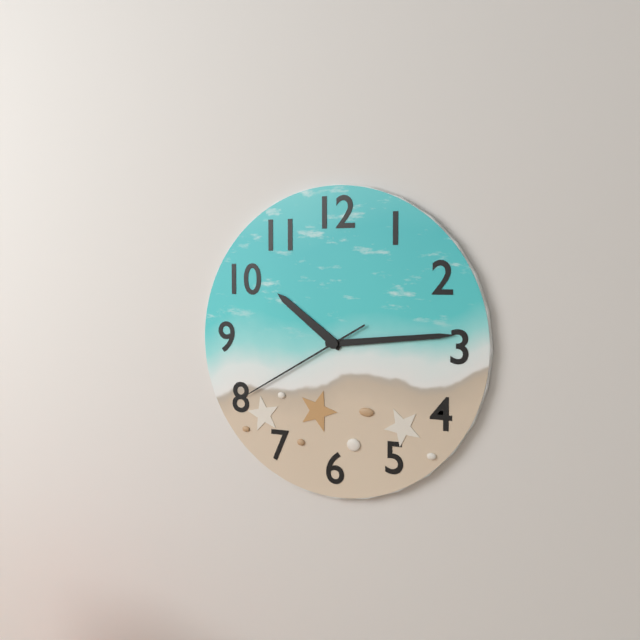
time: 10:14:40
